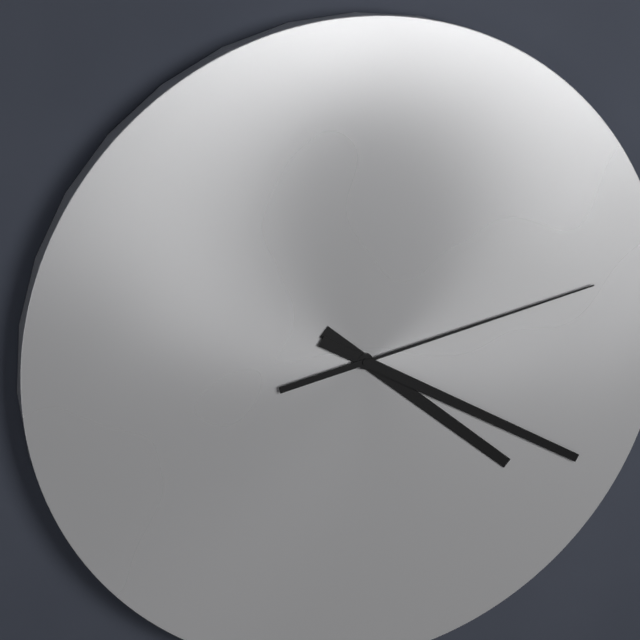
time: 4:20:13
